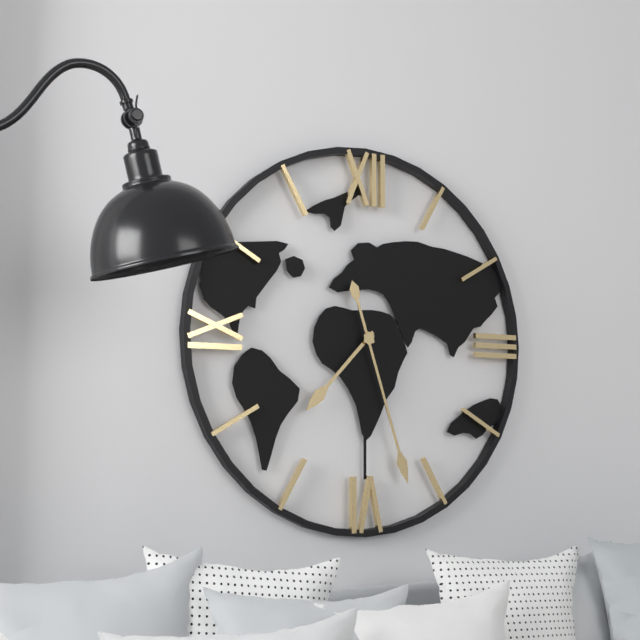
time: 7:27
